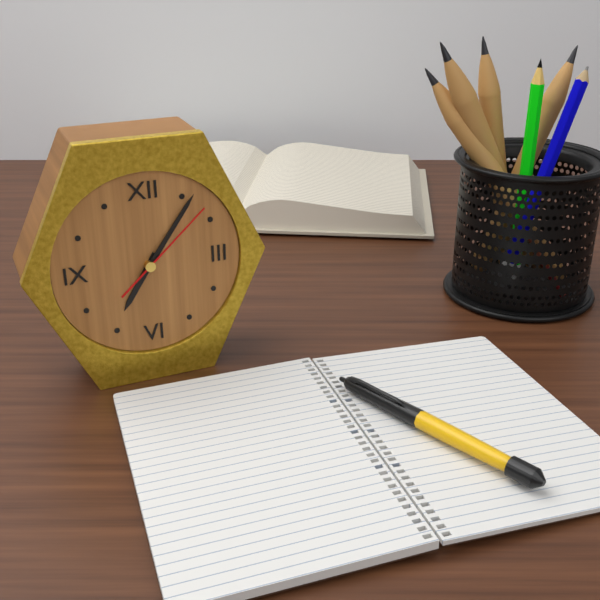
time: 7:06:08
